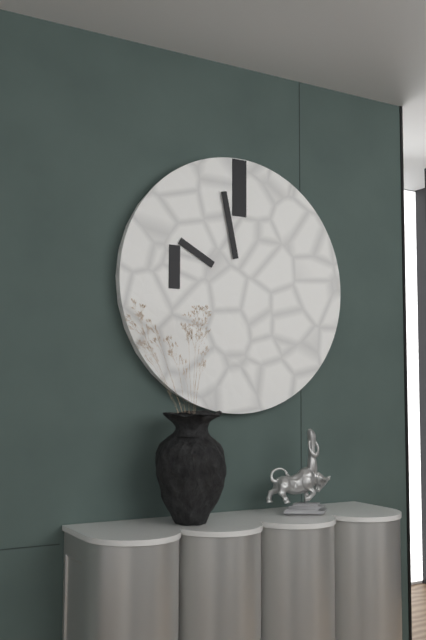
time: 9:58
